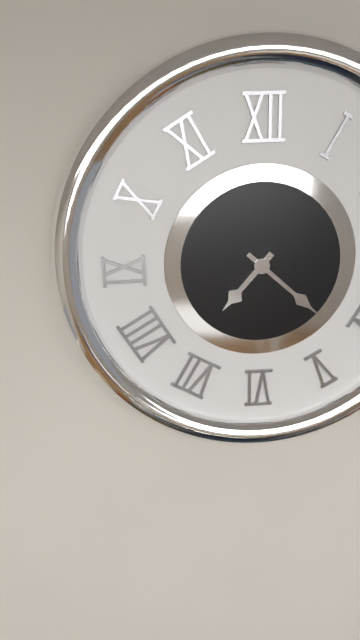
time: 7:22
